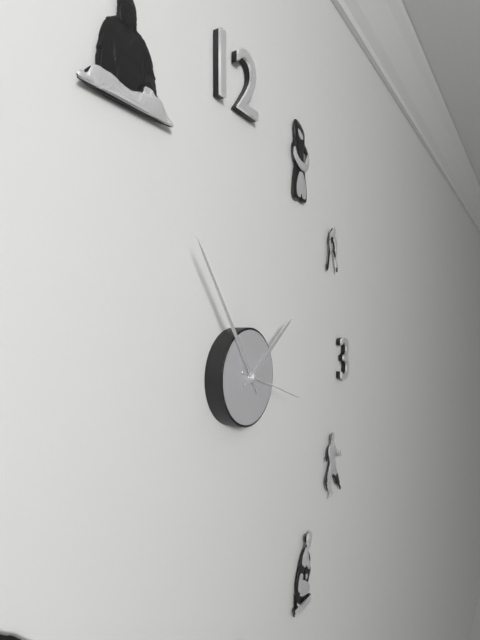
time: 1:54:18
